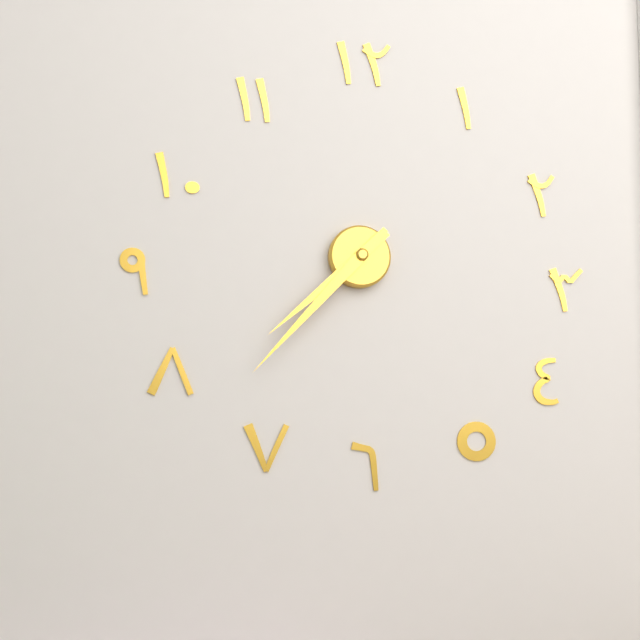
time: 7:37
